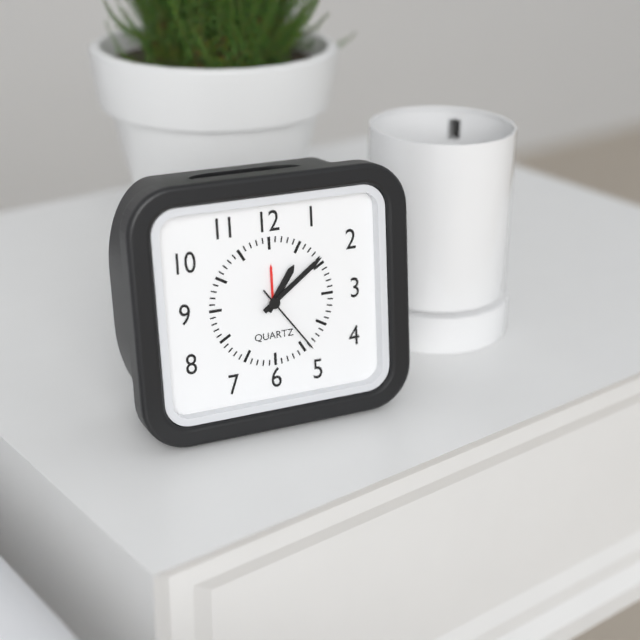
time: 1:09:24
